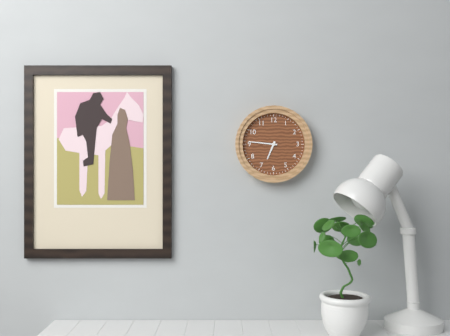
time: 6:46
